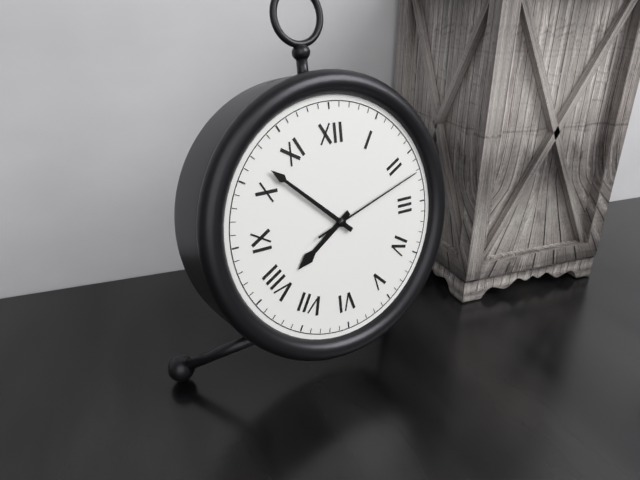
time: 7:52:12
